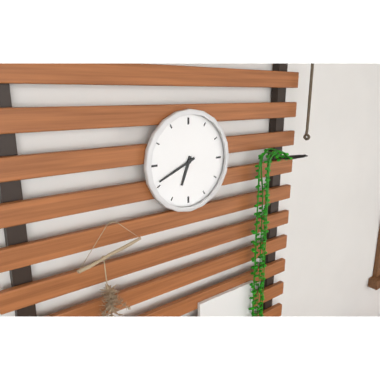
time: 6:41
